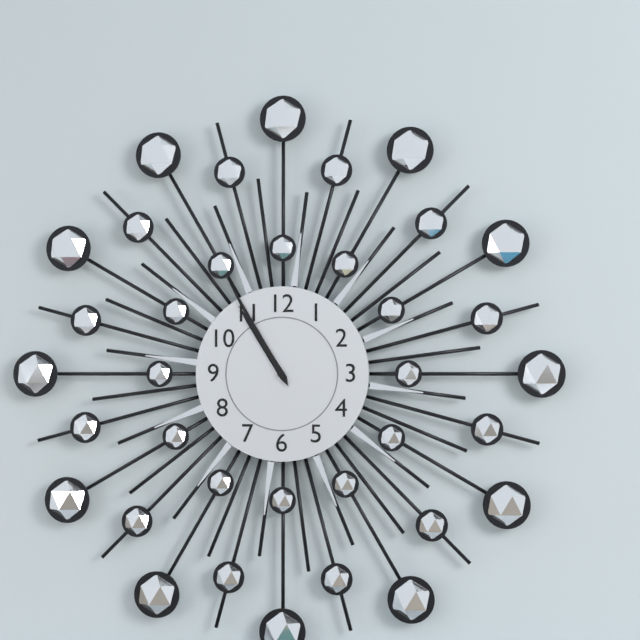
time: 10:55
